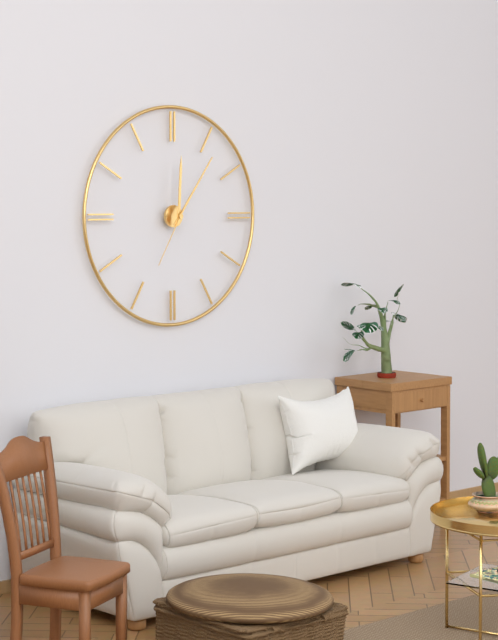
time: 12:06:35
